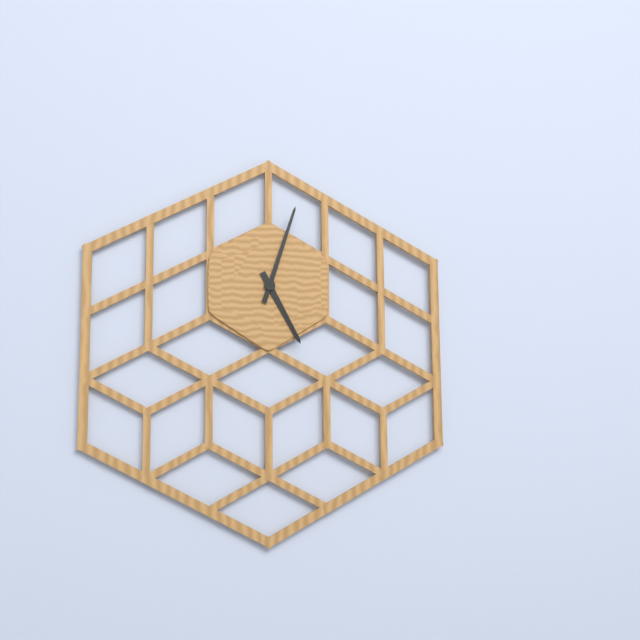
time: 5:03
